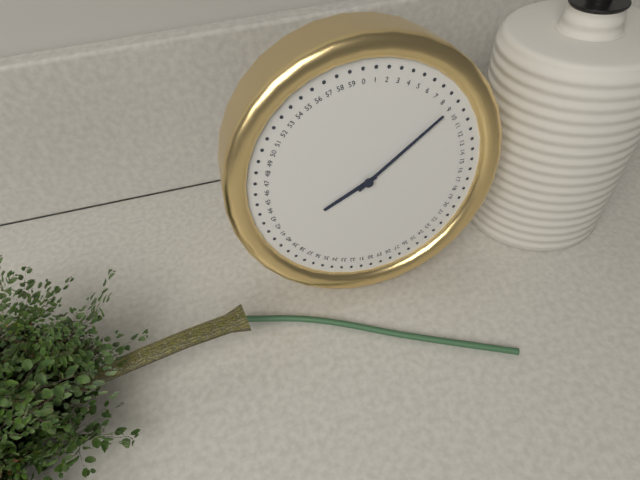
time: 8:09
